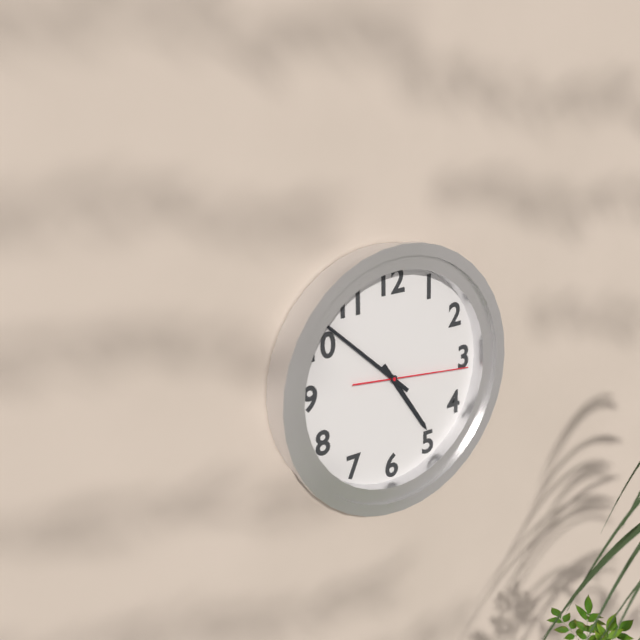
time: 4:52:16
